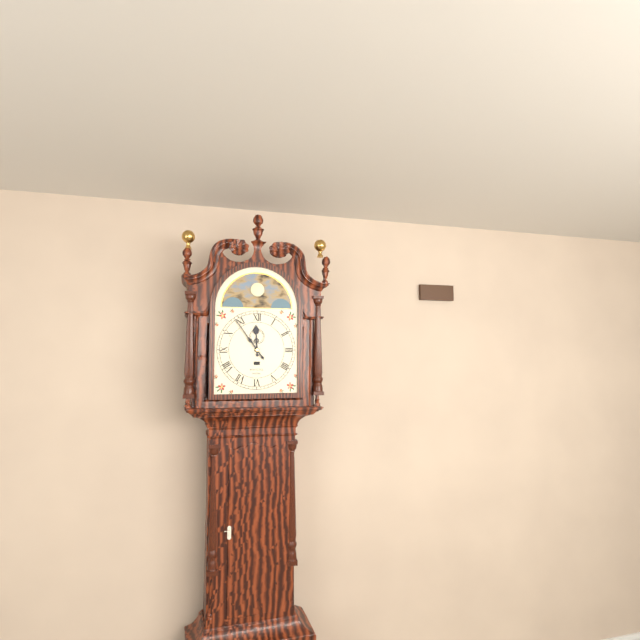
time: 11:54
